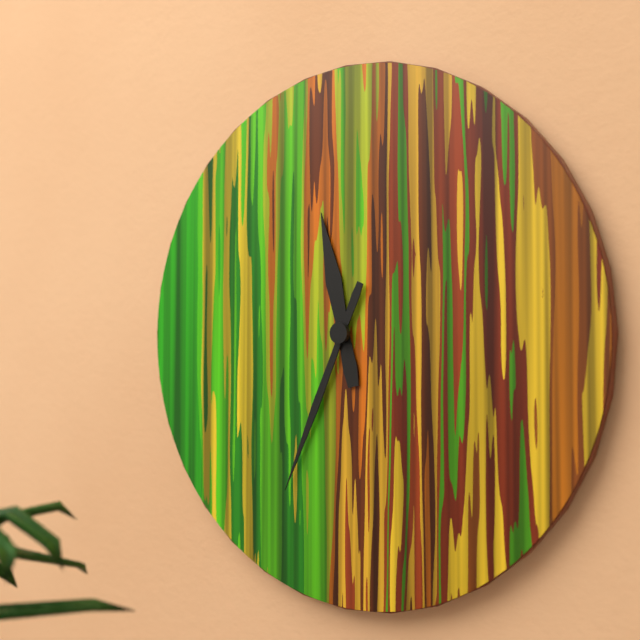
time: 11:34
